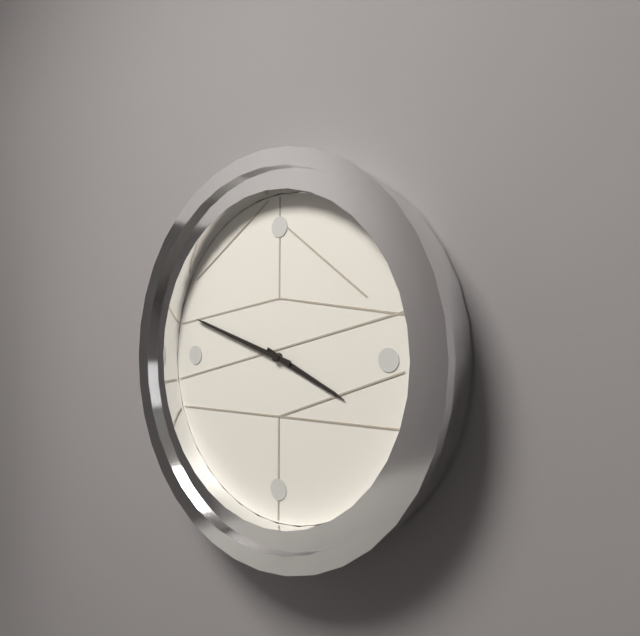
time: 3:48
